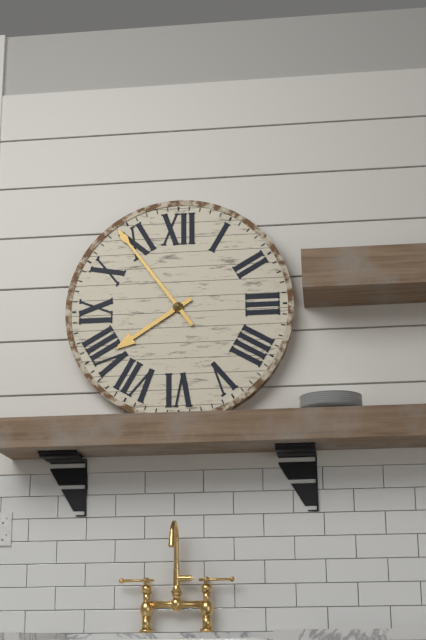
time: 7:54
